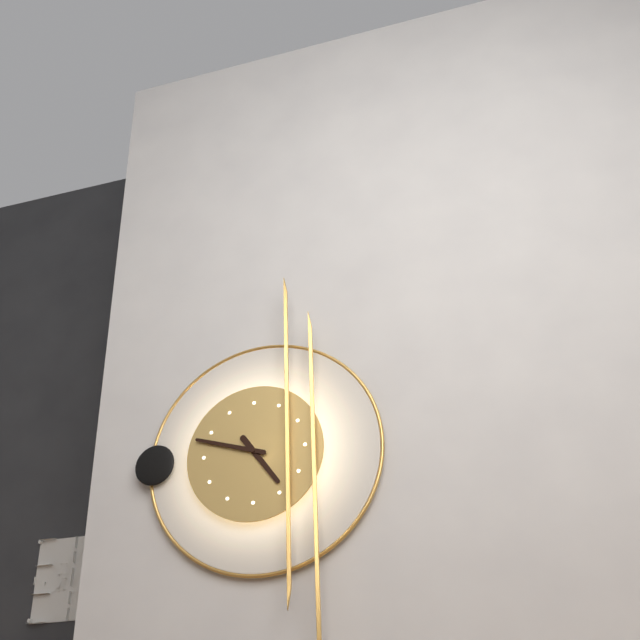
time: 4:48
